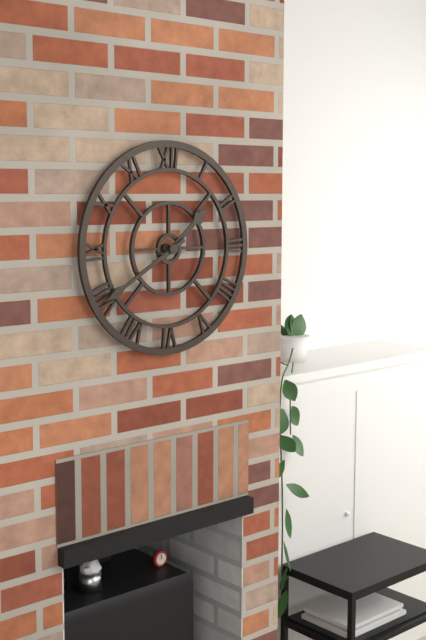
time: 1:40
